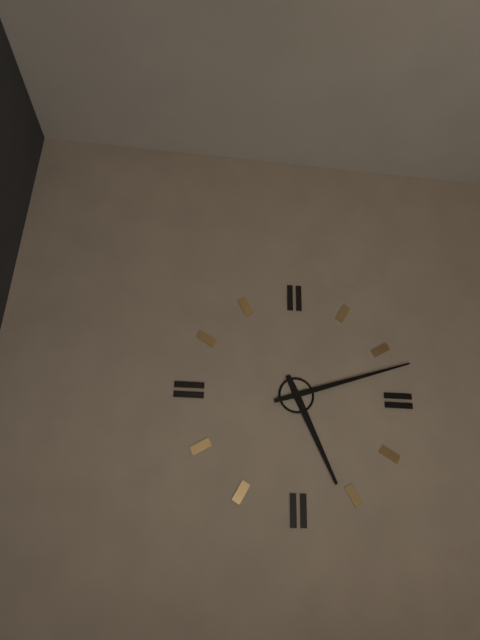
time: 5:12
